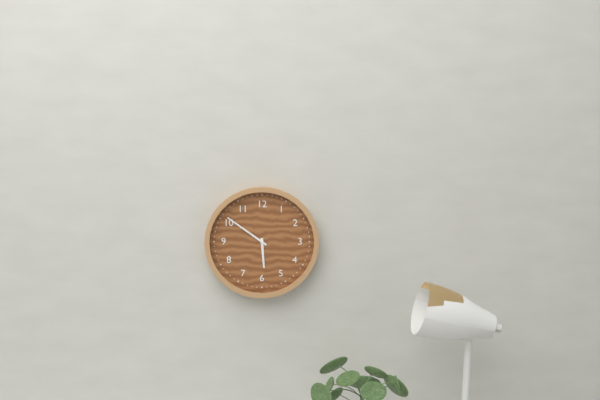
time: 5:51
